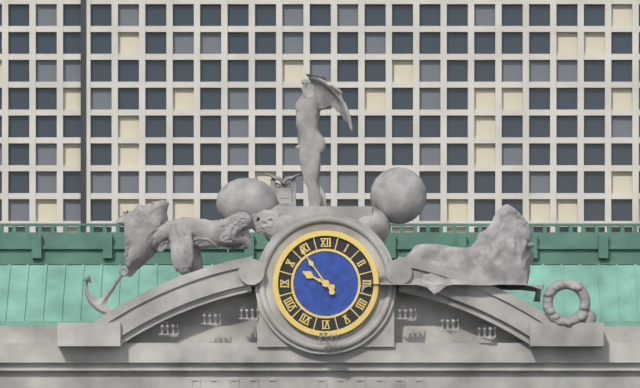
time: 9:54
